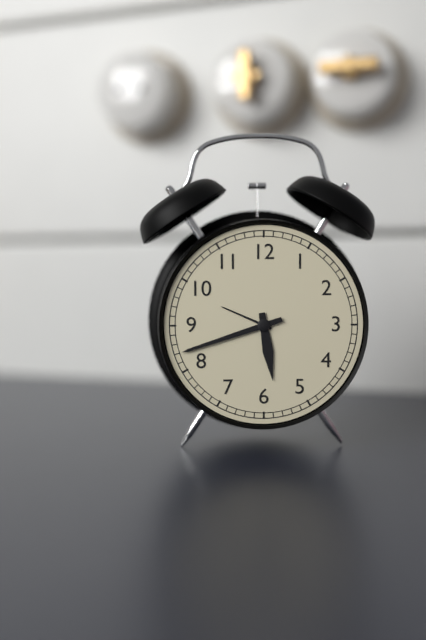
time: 5:42
